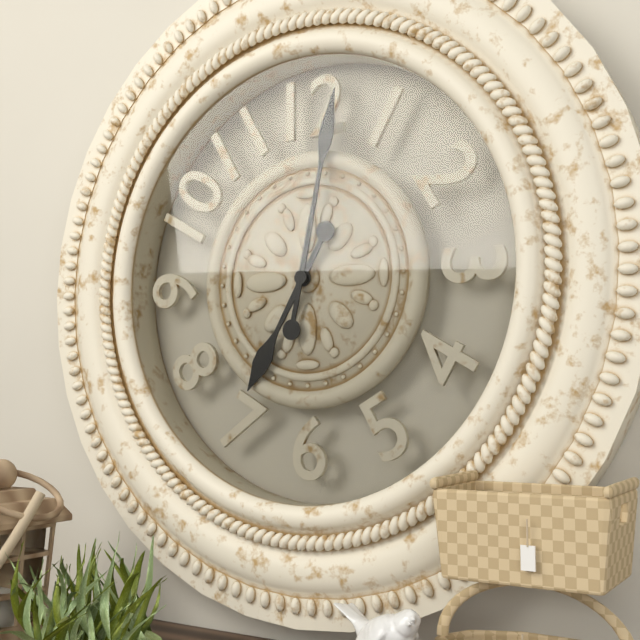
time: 7:02
